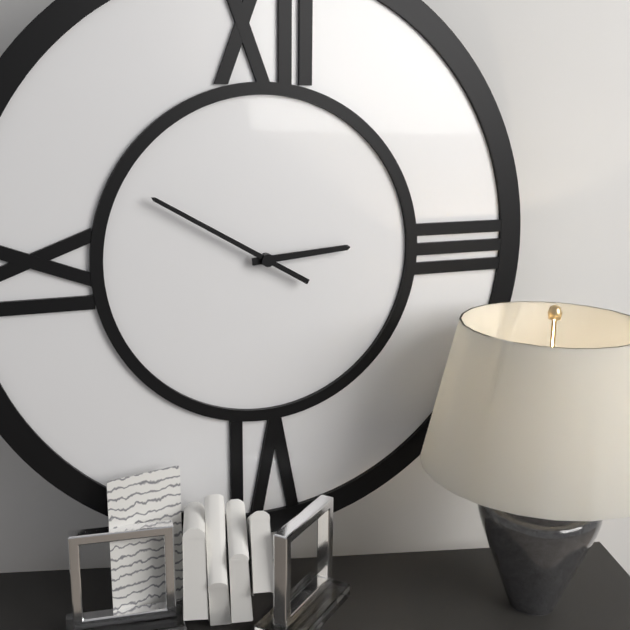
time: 2:50
